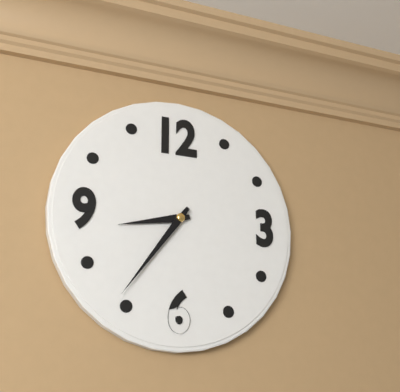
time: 8:36
